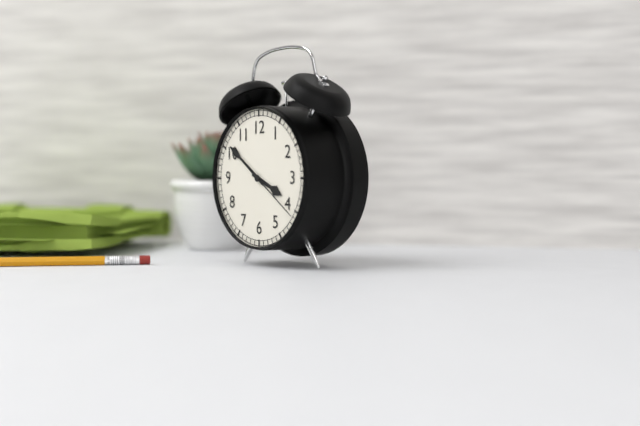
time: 3:51:21
